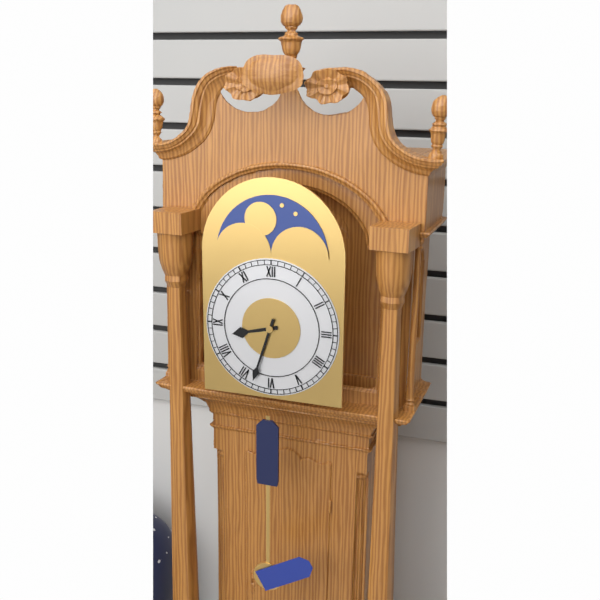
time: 8:33
